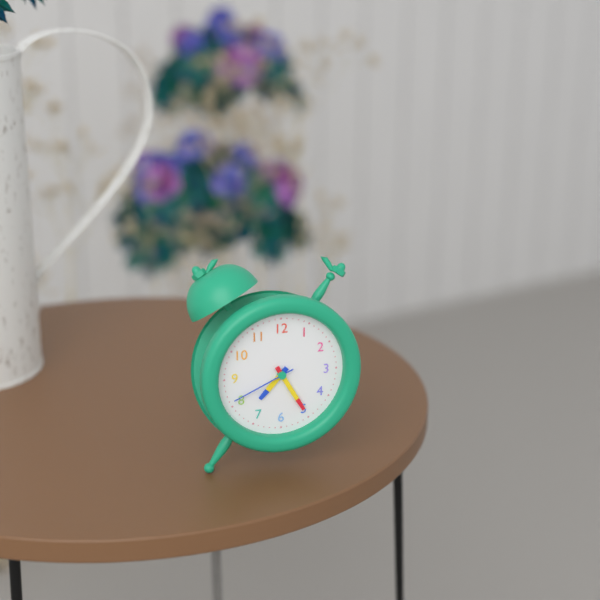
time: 7:25:41
